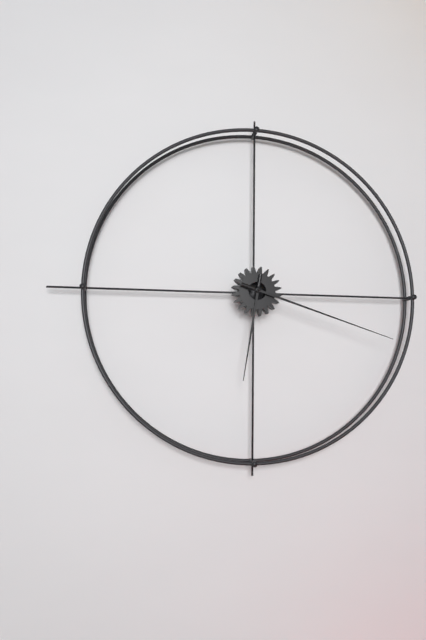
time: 6:18
